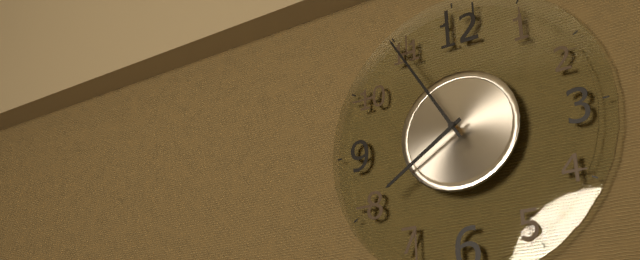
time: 7:55
